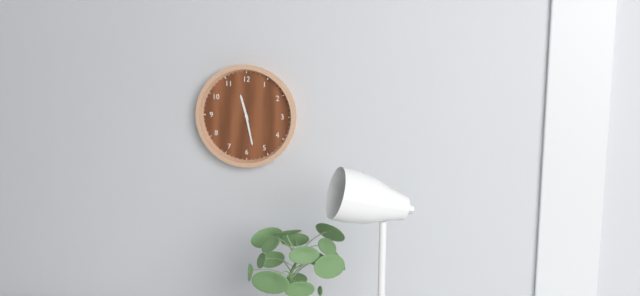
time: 11:28
